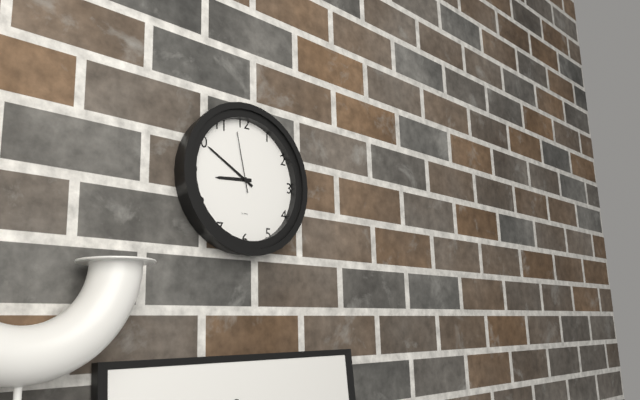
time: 8:50:58
